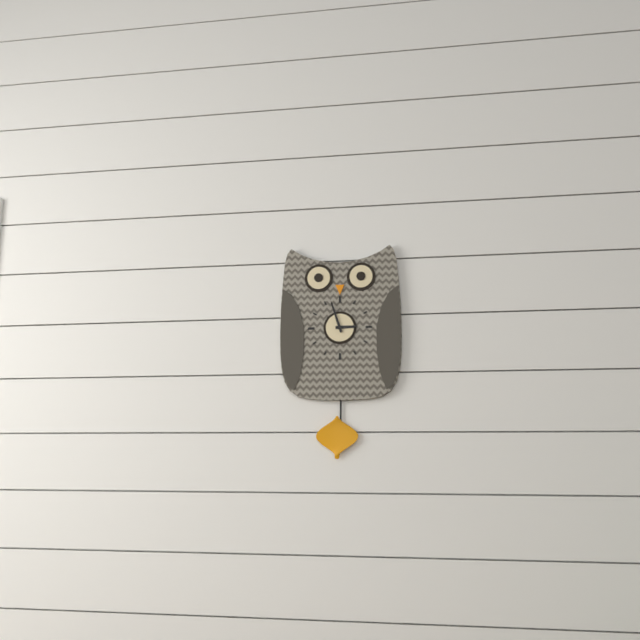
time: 2:57
